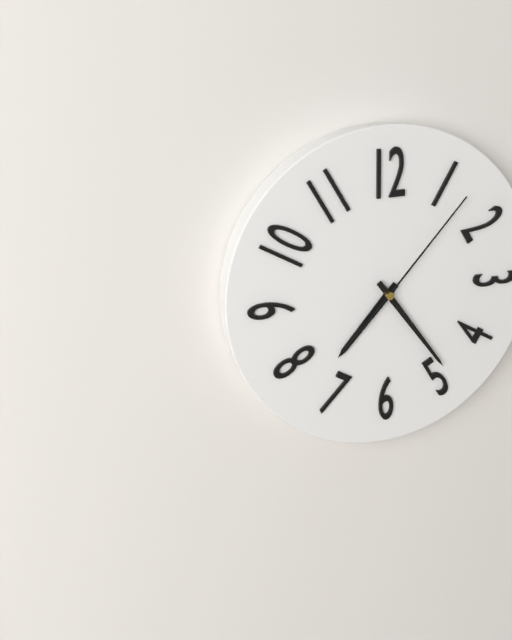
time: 7:24:07
